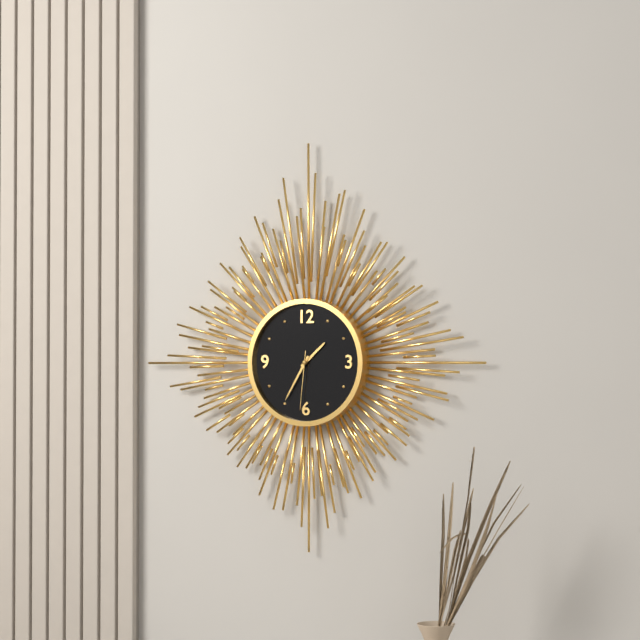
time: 1:35:31
